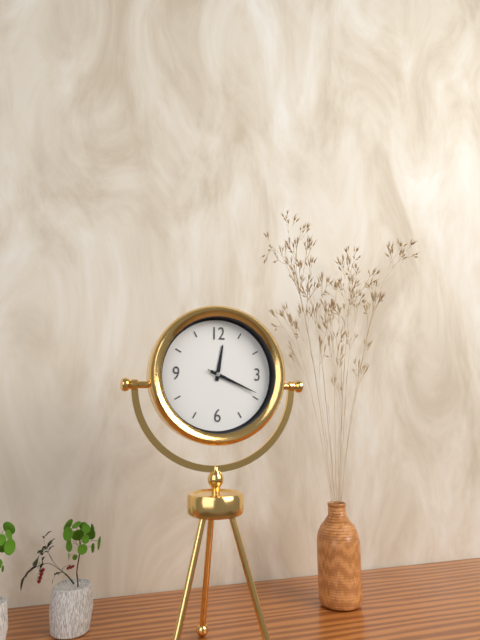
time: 12:19:19
